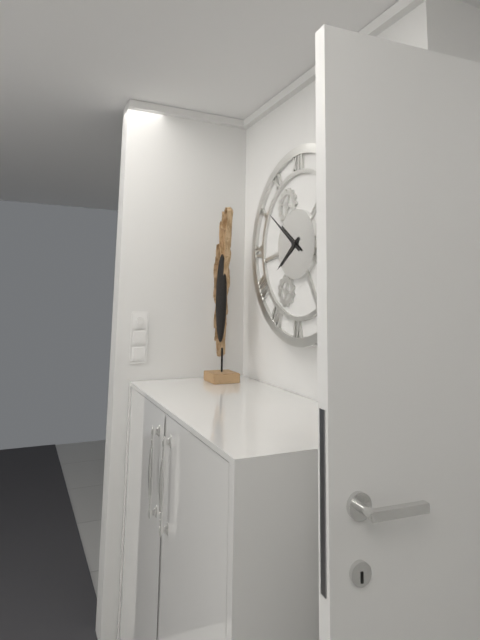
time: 7:51
